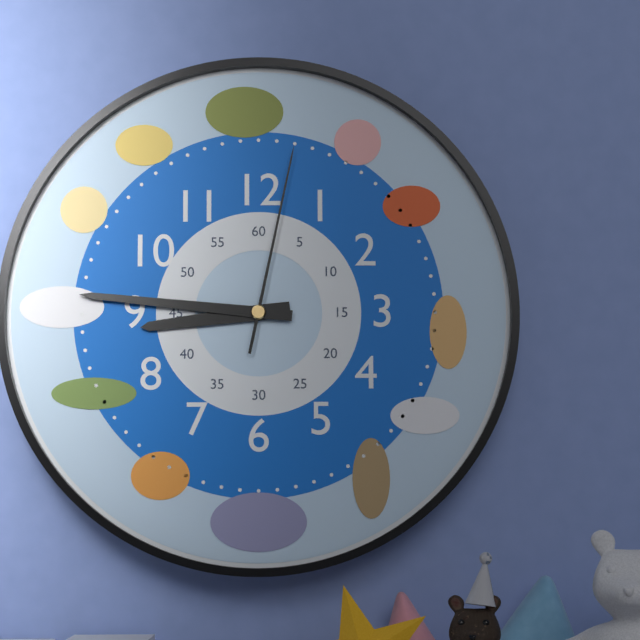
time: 8:46:02
